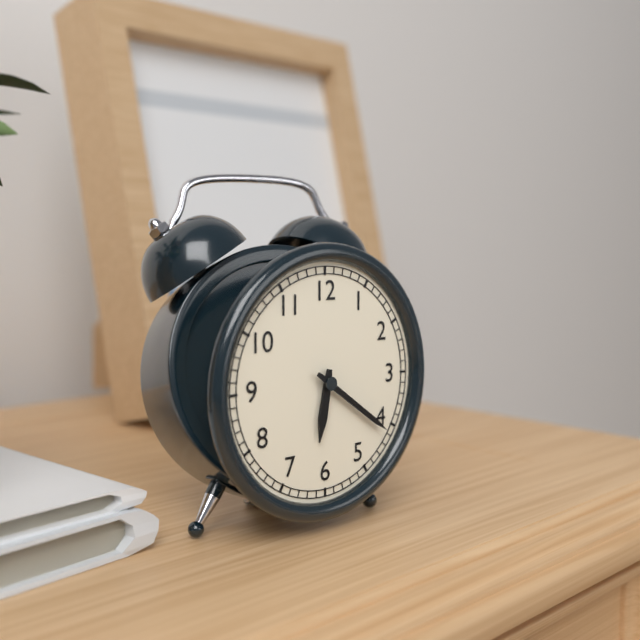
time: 6:21
